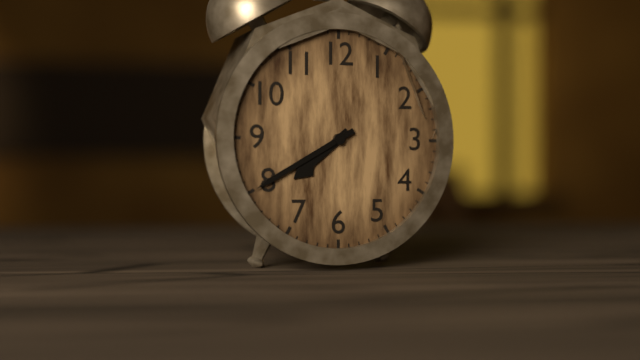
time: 7:40
